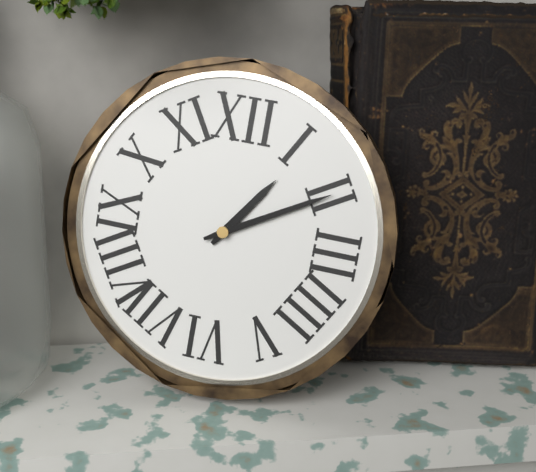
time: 1:10
